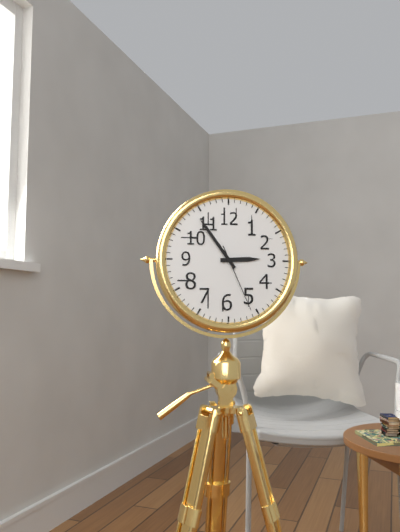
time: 2:54:26
